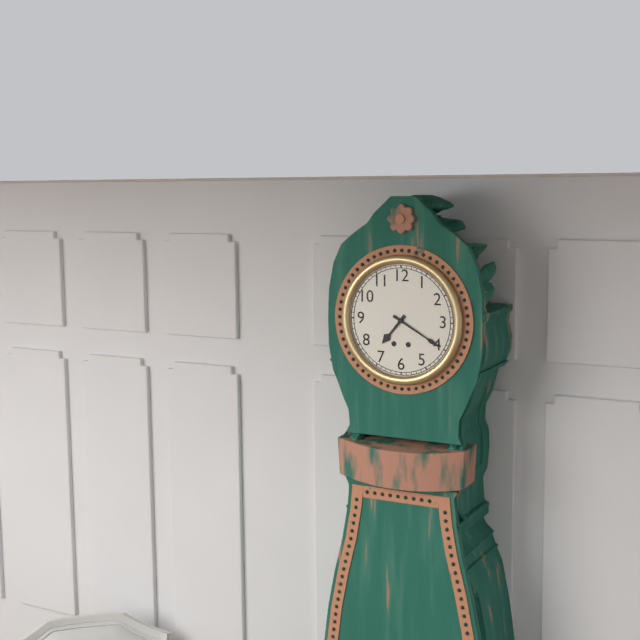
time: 7:20
